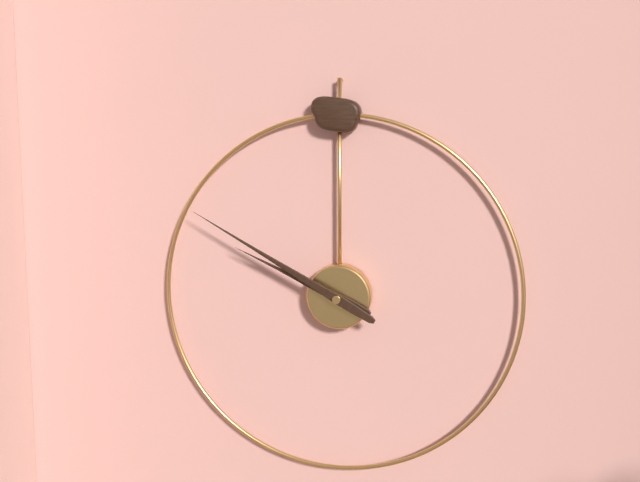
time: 9:50
